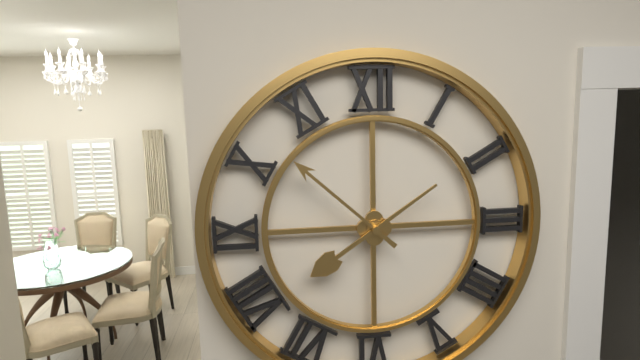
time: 7:52
